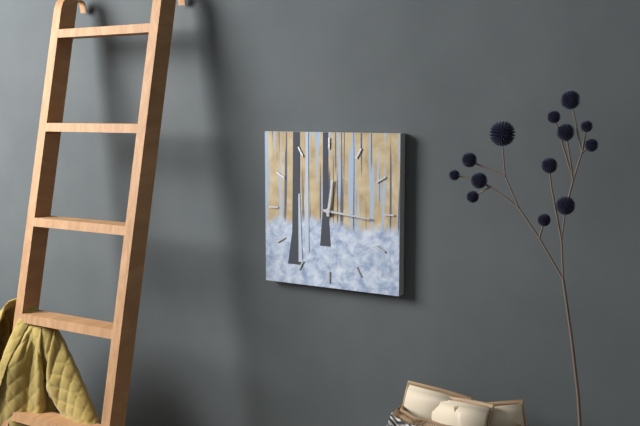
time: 12:16
